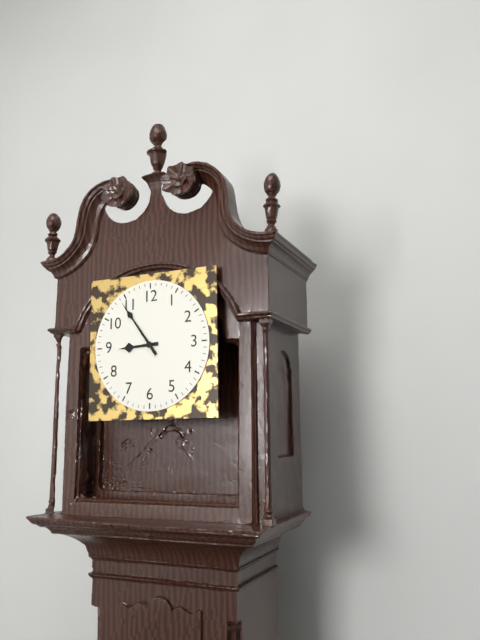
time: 8:54
